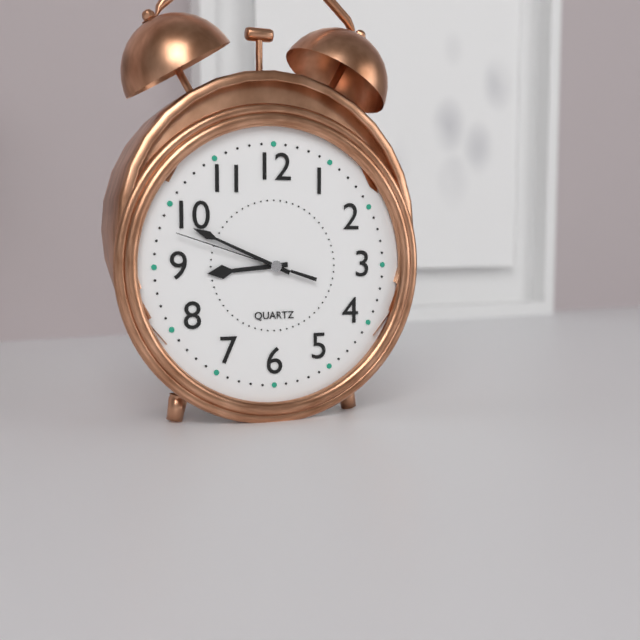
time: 8:49:48
